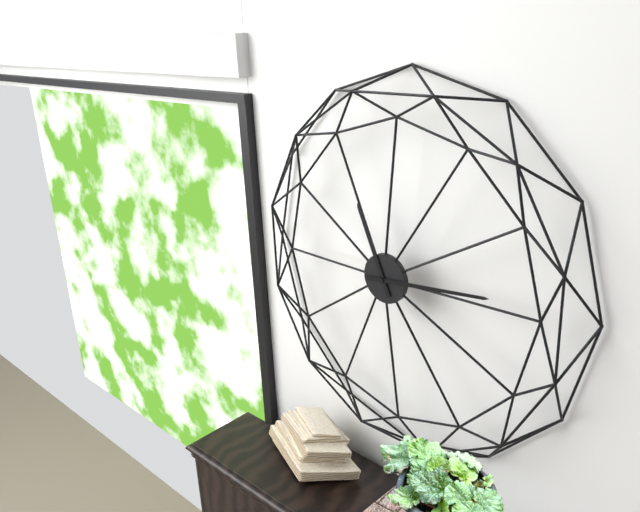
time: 11:14
